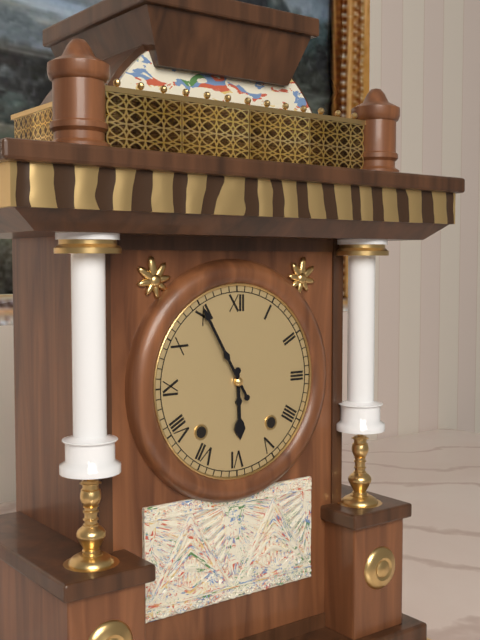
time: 5:55
